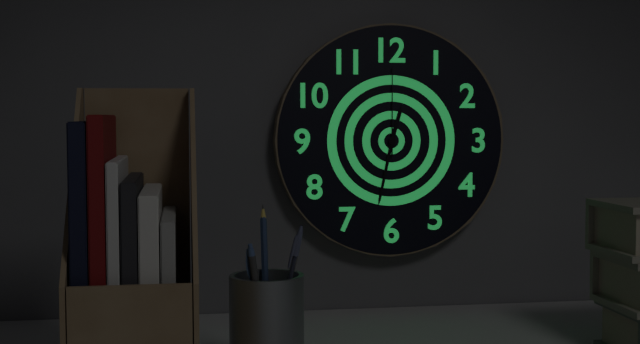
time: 12:32:00
